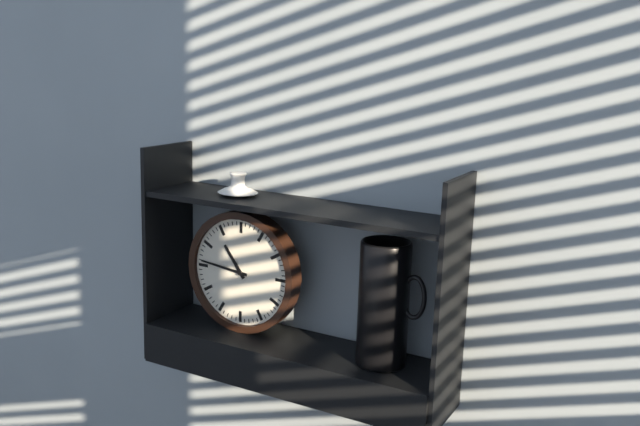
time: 10:46
